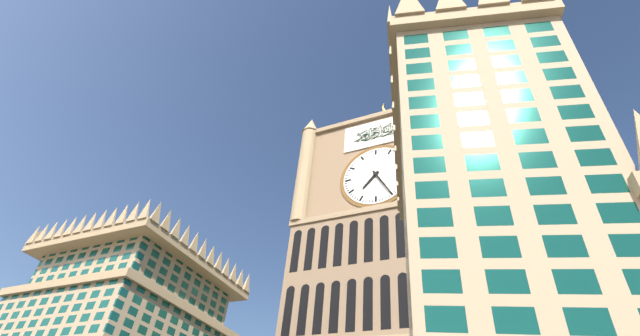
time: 7:25
